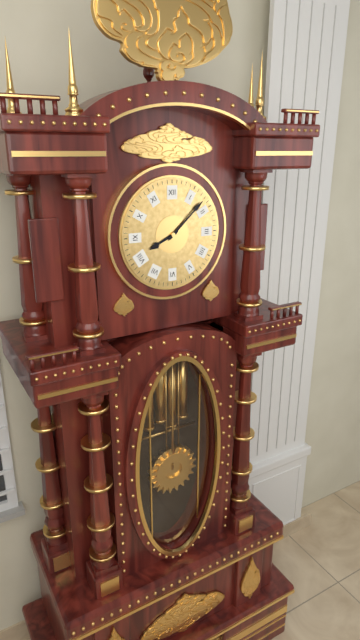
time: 8:08
